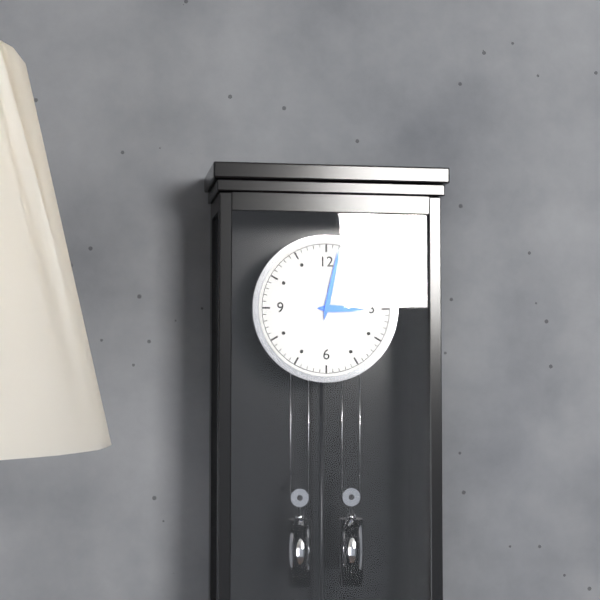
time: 3:02
